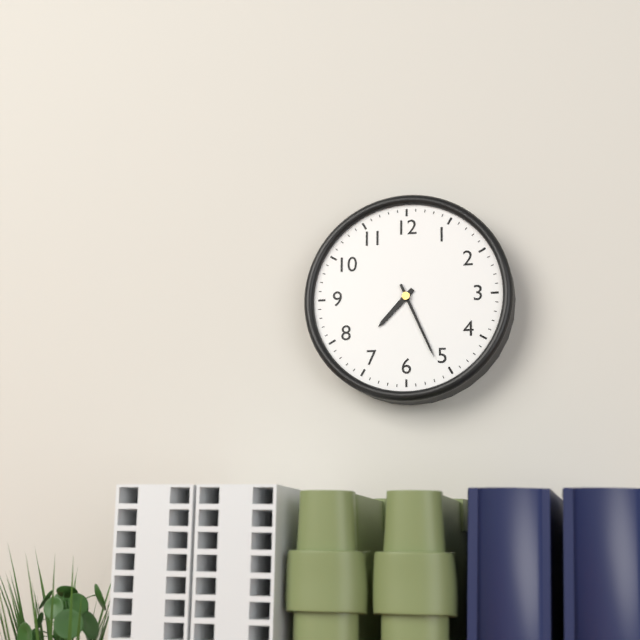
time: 7:26
